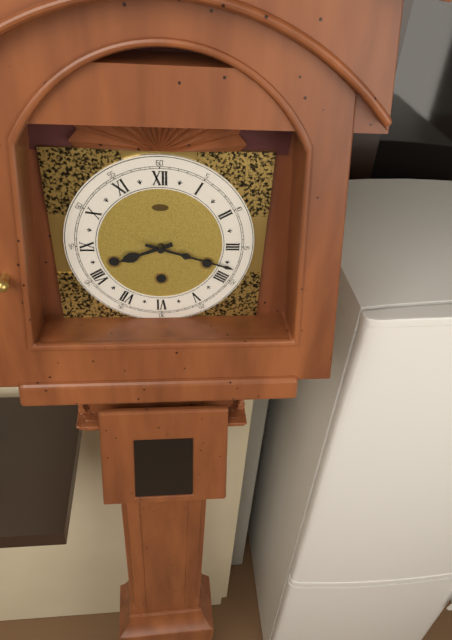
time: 8:18
